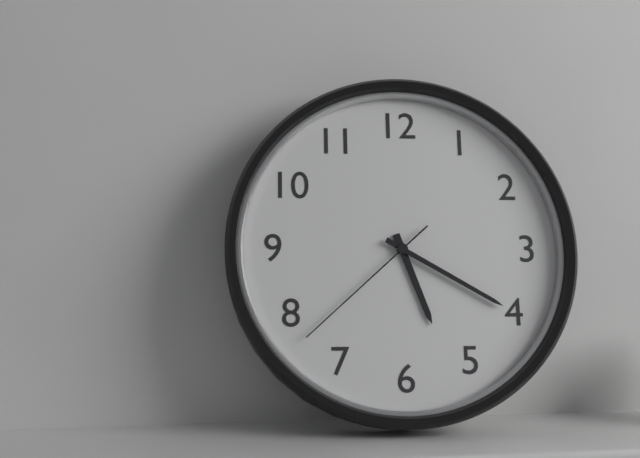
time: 5:20:38
